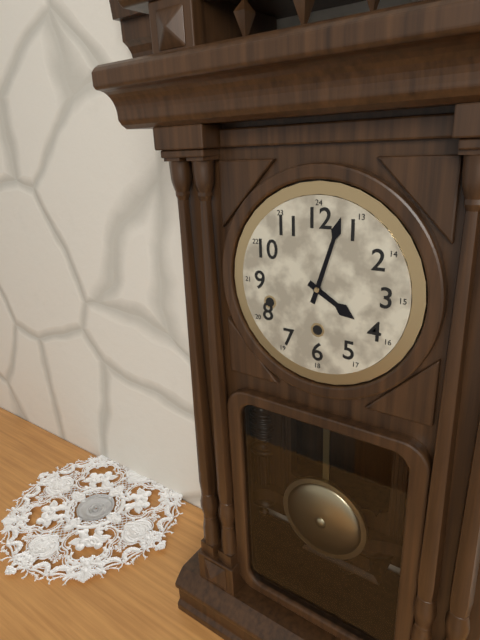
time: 4:03
